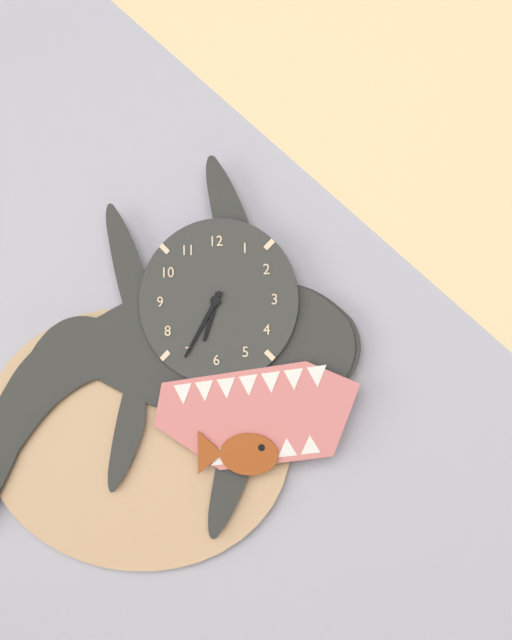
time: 6:35
